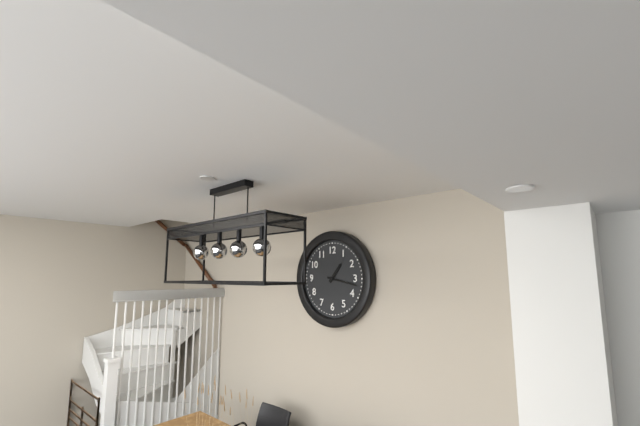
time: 1:17
